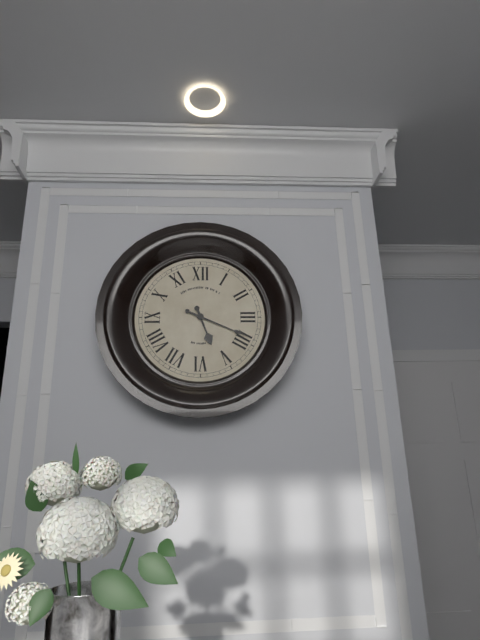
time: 5:19
